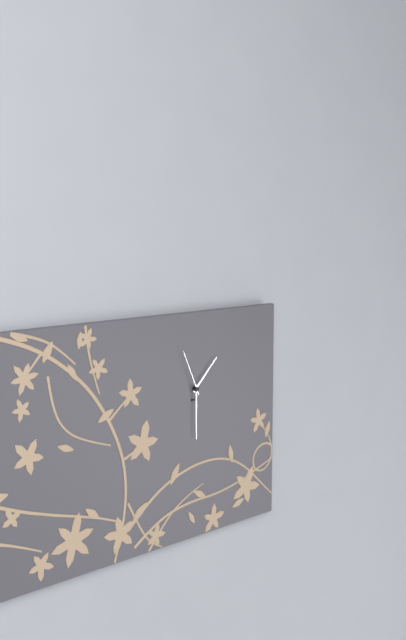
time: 1:30:56
